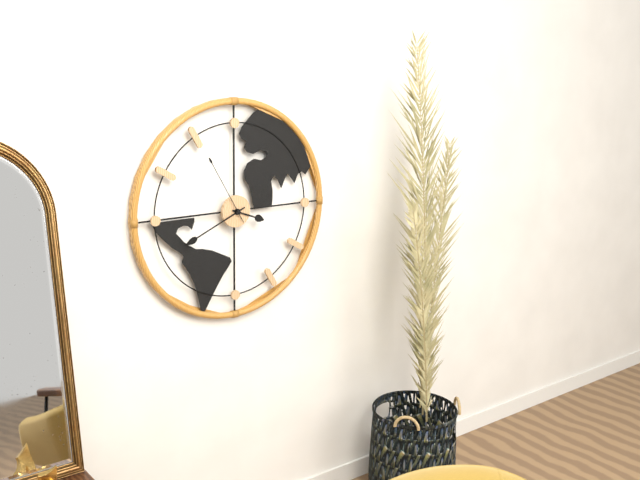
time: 3:41:55
